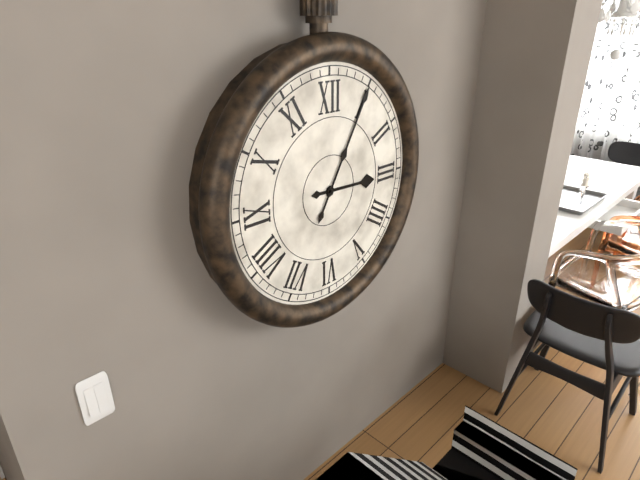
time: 3:05
